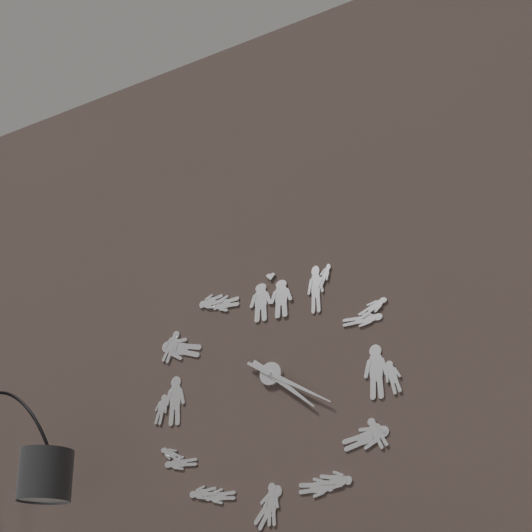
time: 4:20
